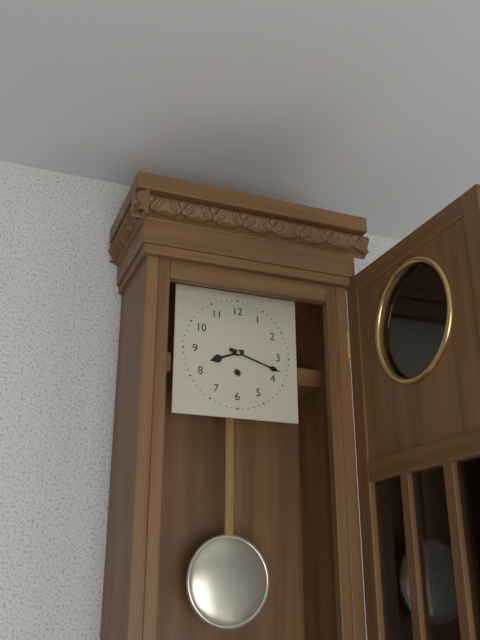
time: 8:18
